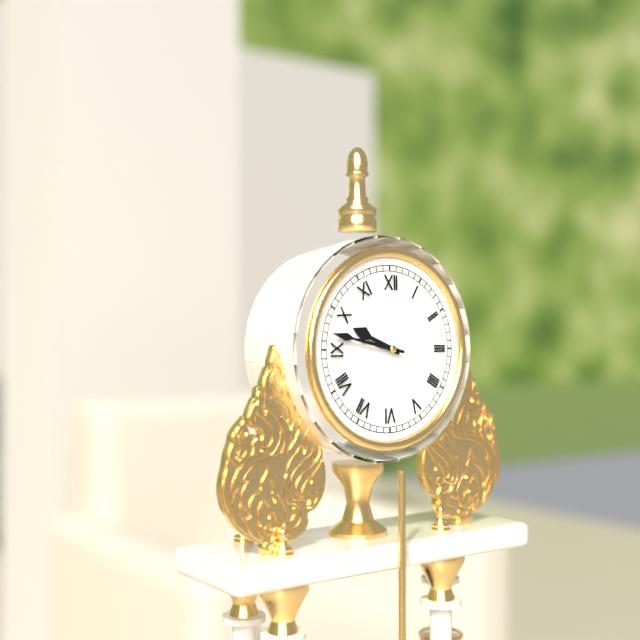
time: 9:47
